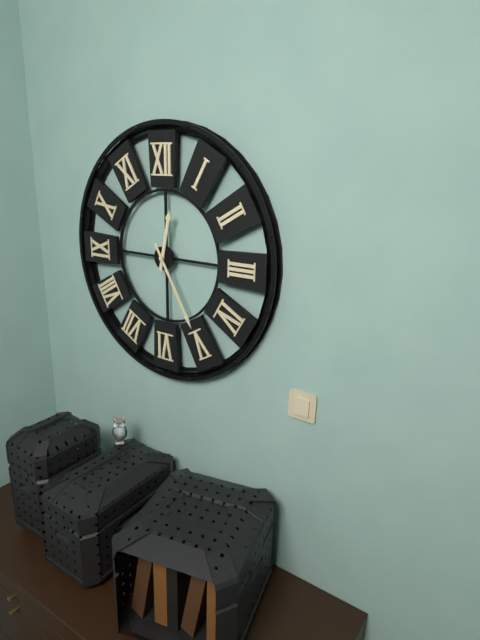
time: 12:25
